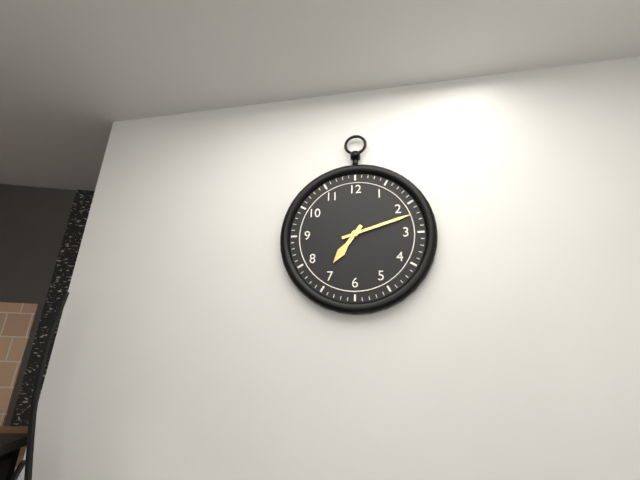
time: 7:12
